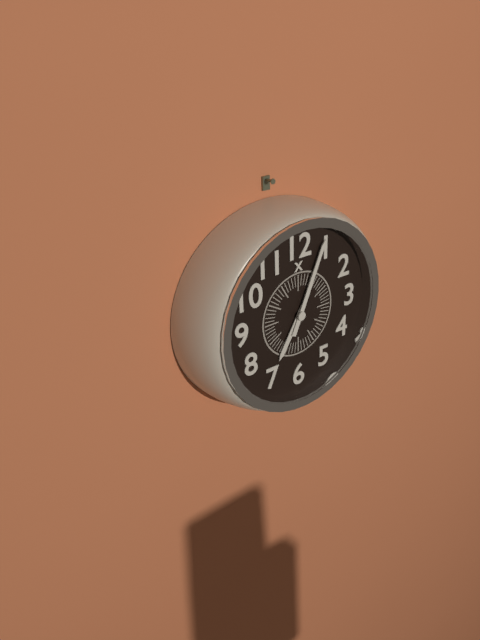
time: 7:04
